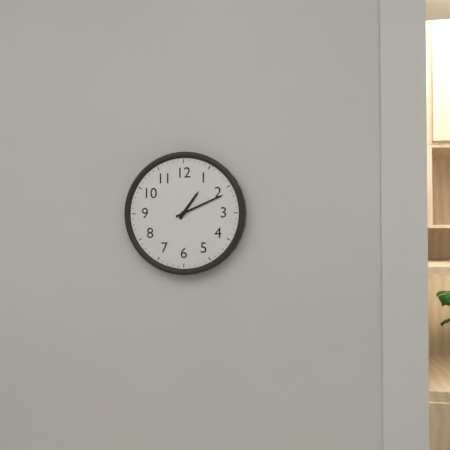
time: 1:11
